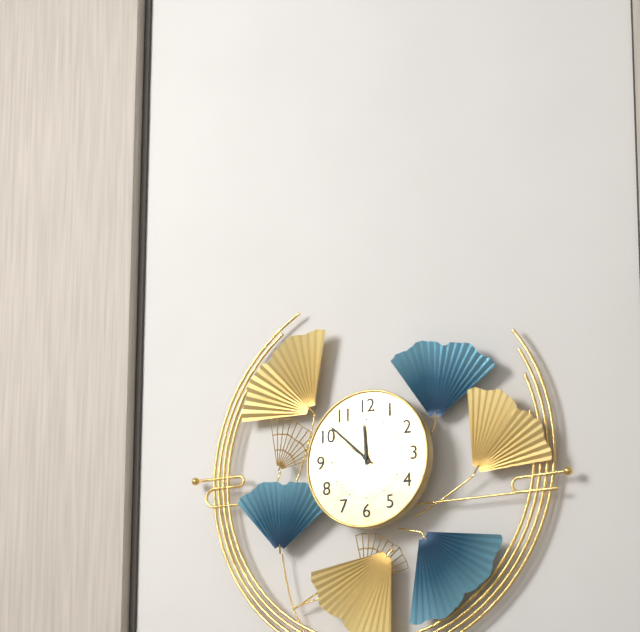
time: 11:52:51
